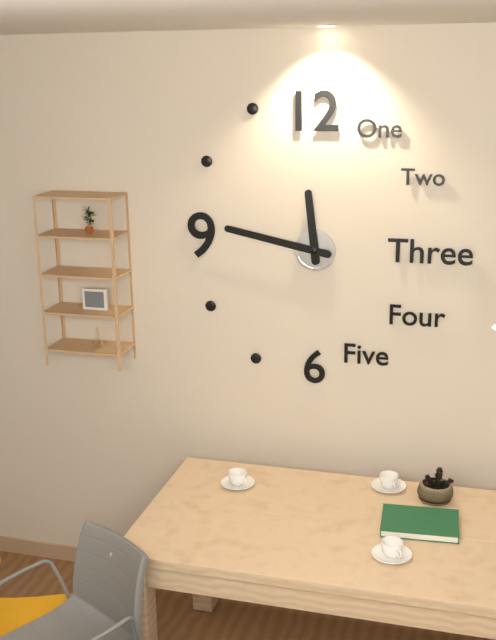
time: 11:47
